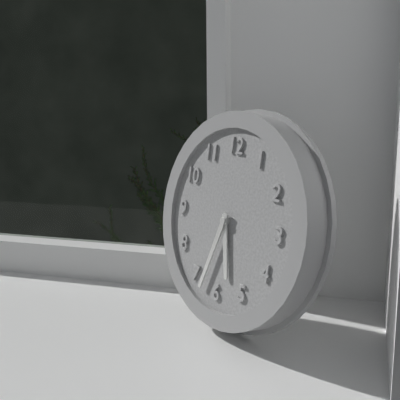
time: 5:33
